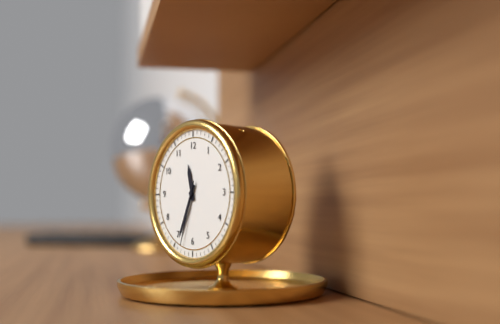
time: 11:34:33
